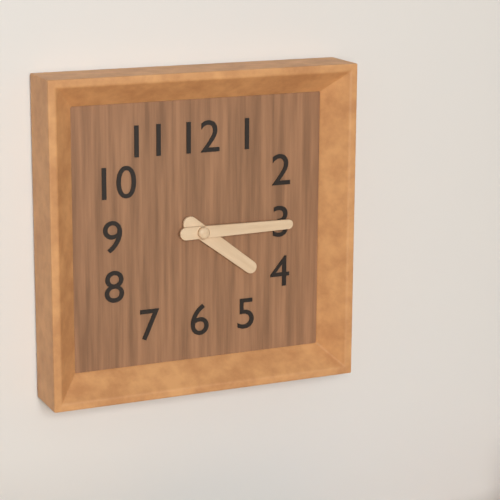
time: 4:15
